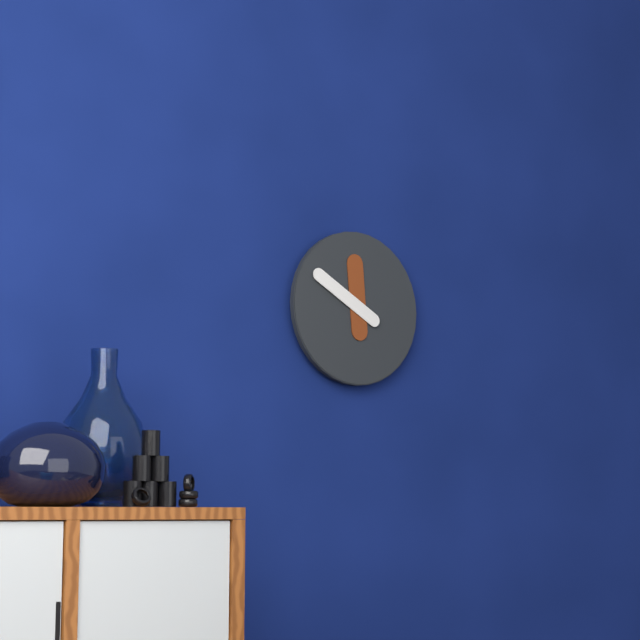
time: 11:50
